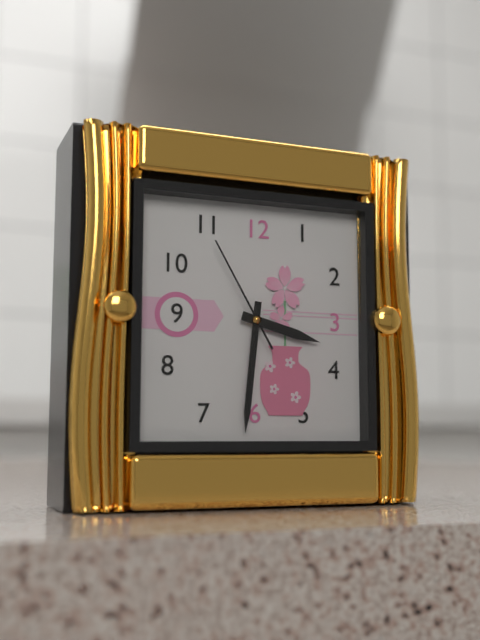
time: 3:31:55
